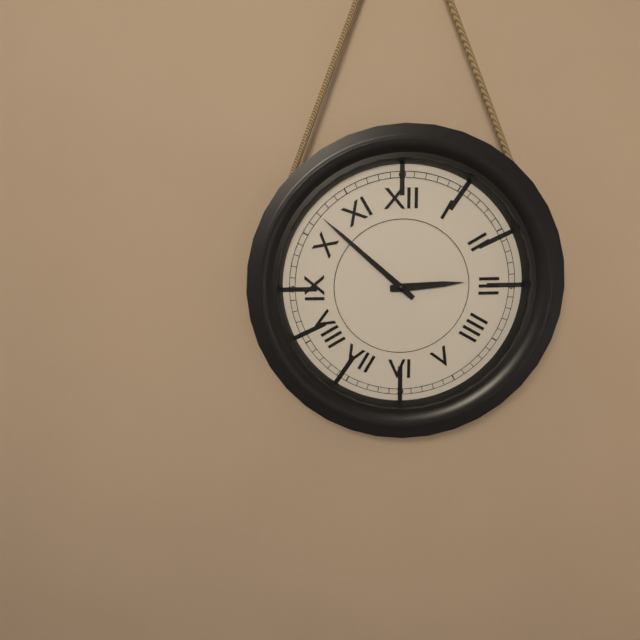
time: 2:52
